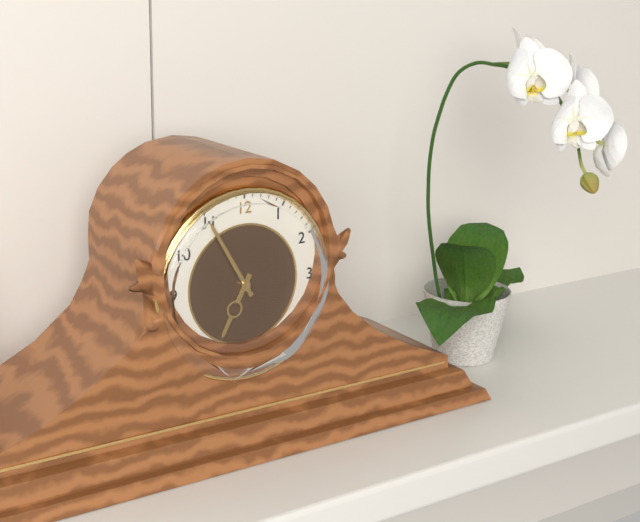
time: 6:55
